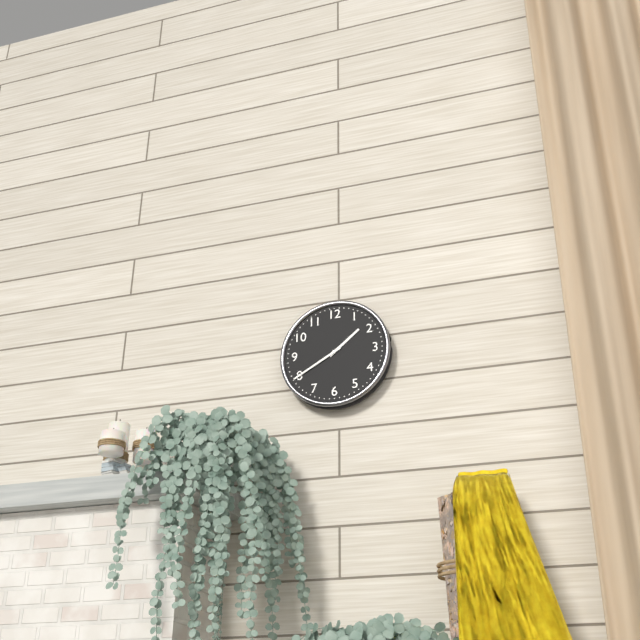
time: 1:40
